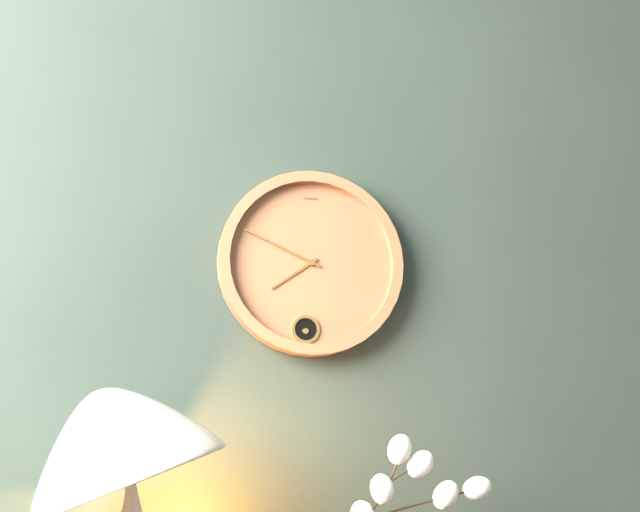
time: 7:49
